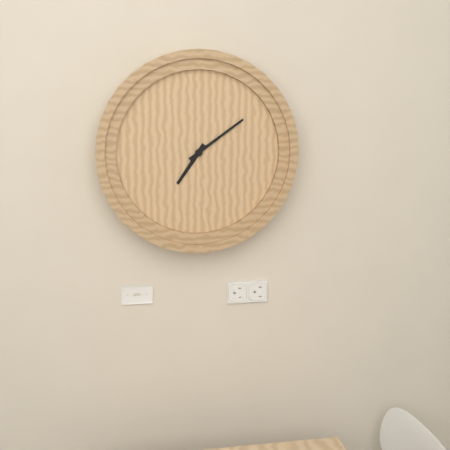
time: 7:09
